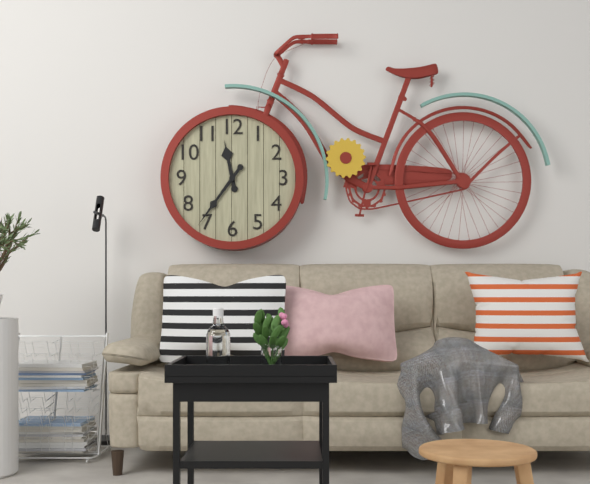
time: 11:36
